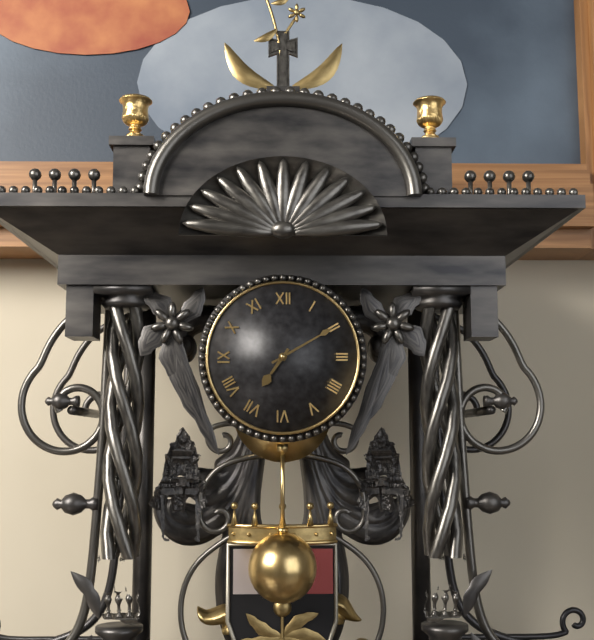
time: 7:10
